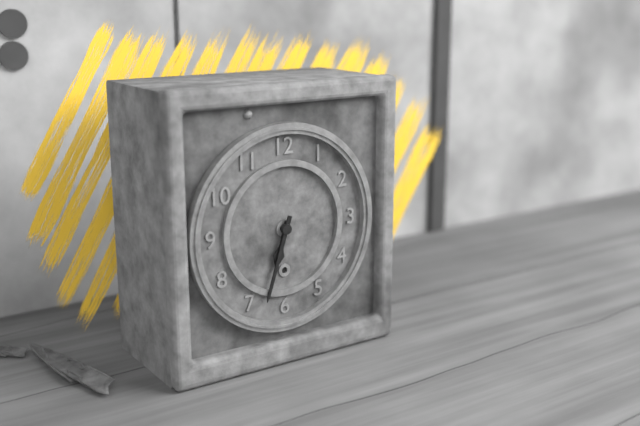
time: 6:33
